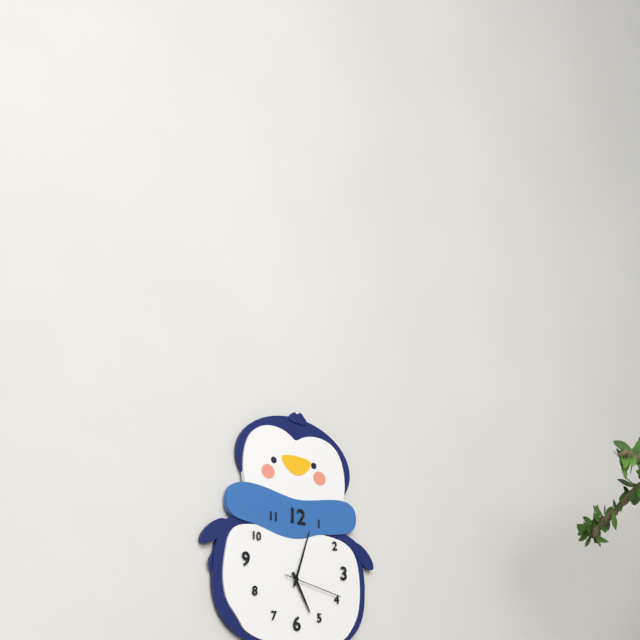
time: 5:03:17
